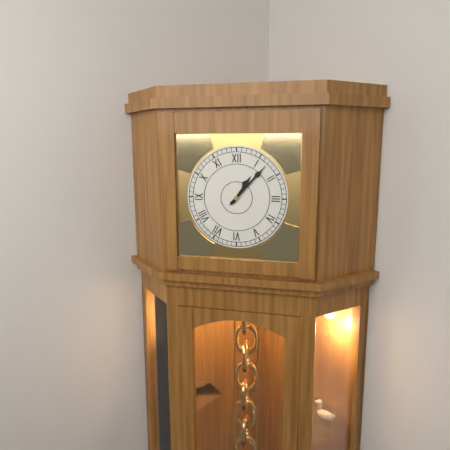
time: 1:07
